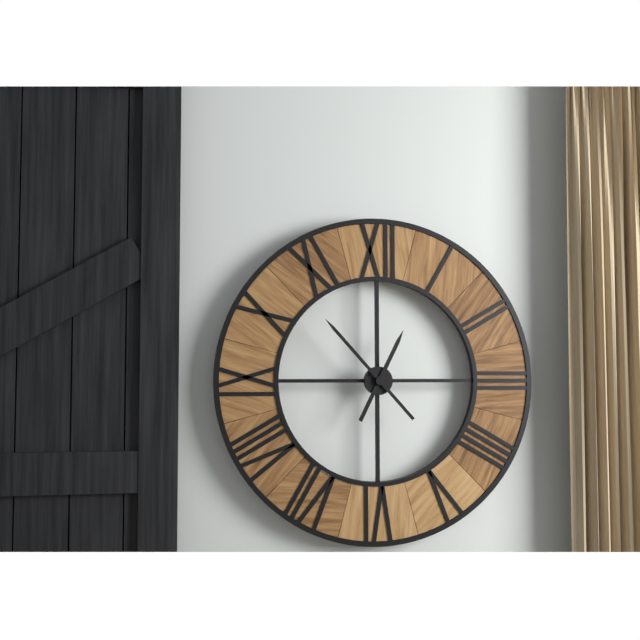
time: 12:53
